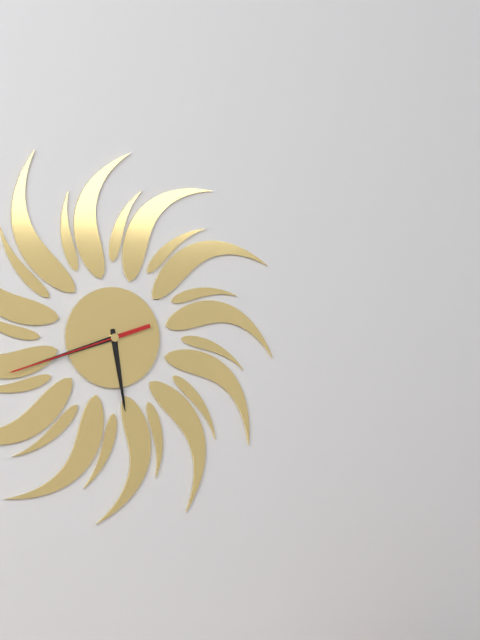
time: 5:42:42
